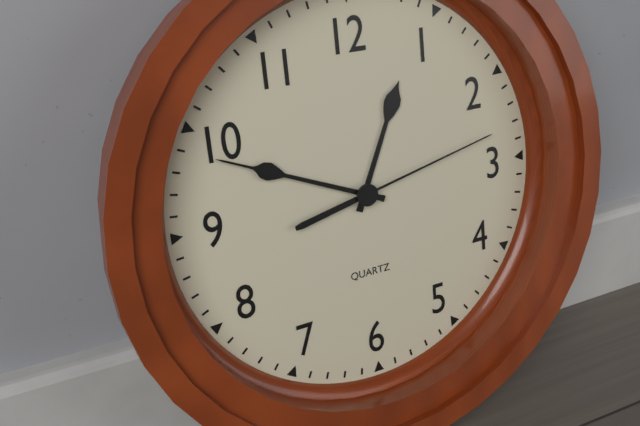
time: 12:49:13
